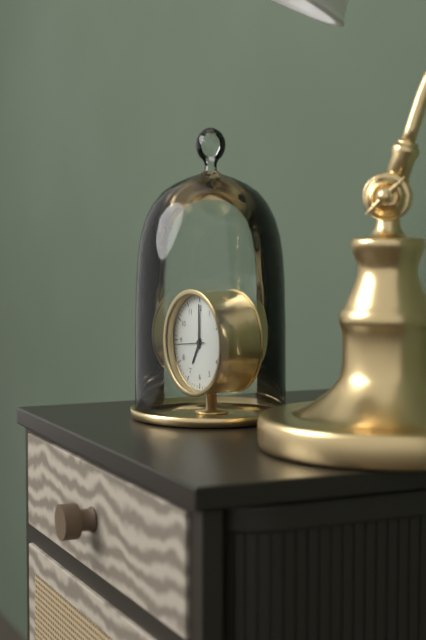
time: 7:00
